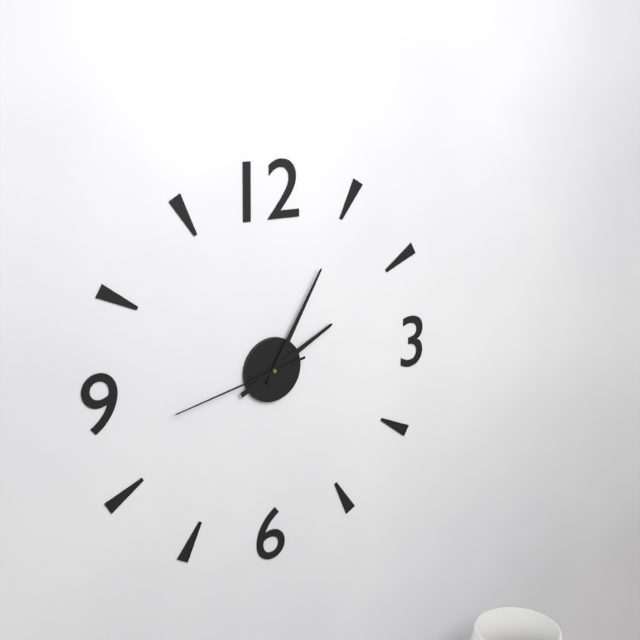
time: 2:05:43
